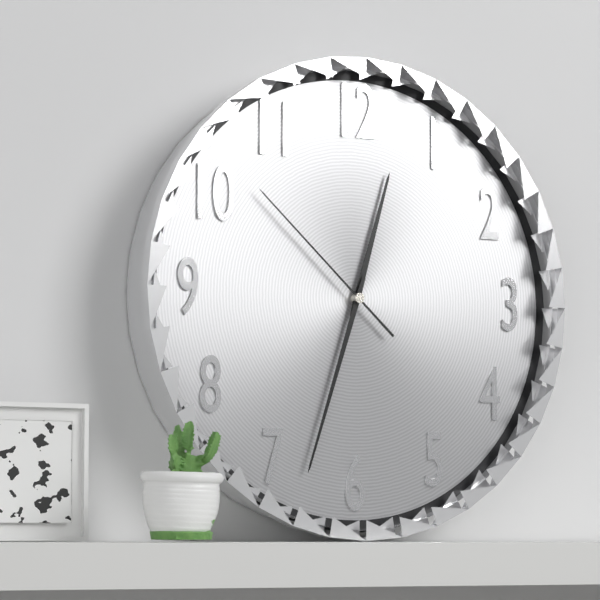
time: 12:33:52
